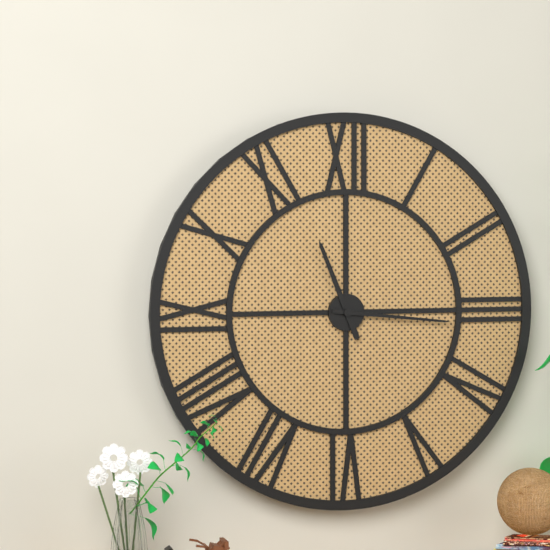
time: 11:16
